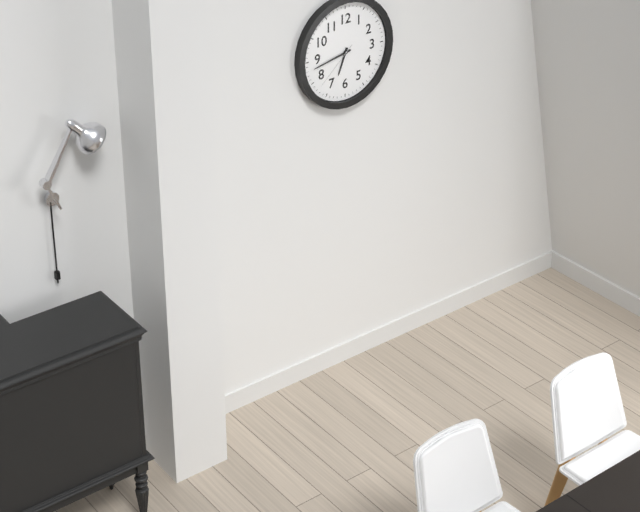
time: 6:43:38
